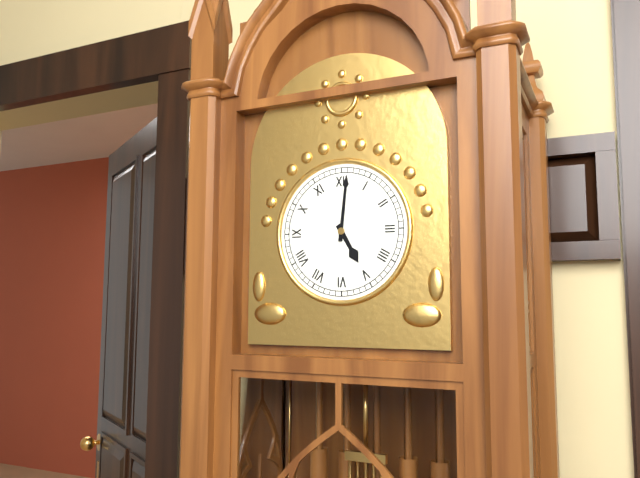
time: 5:01
